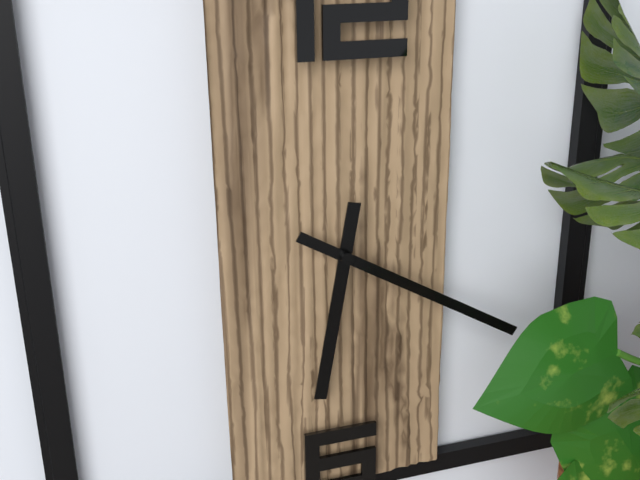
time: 6:20
